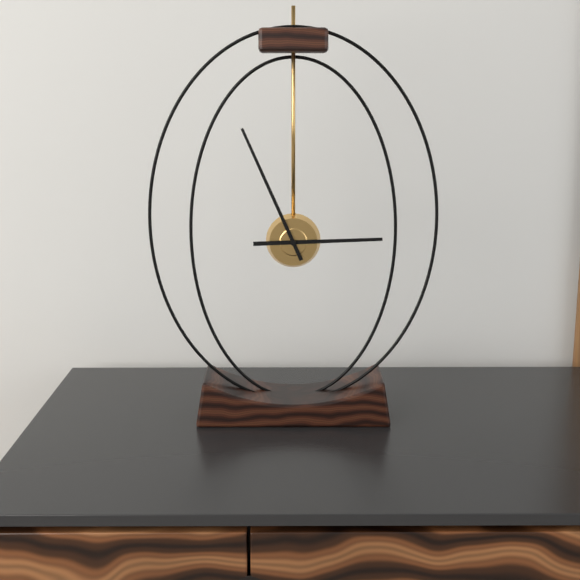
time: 2:56
